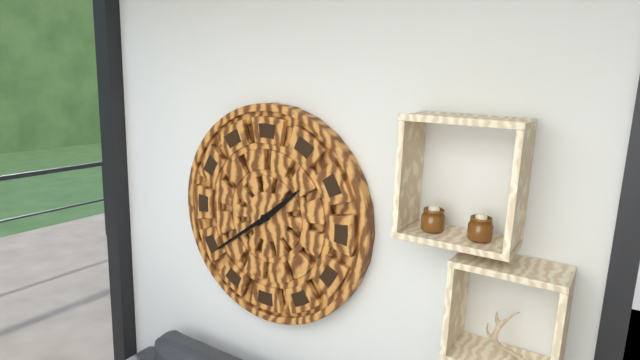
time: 1:39
